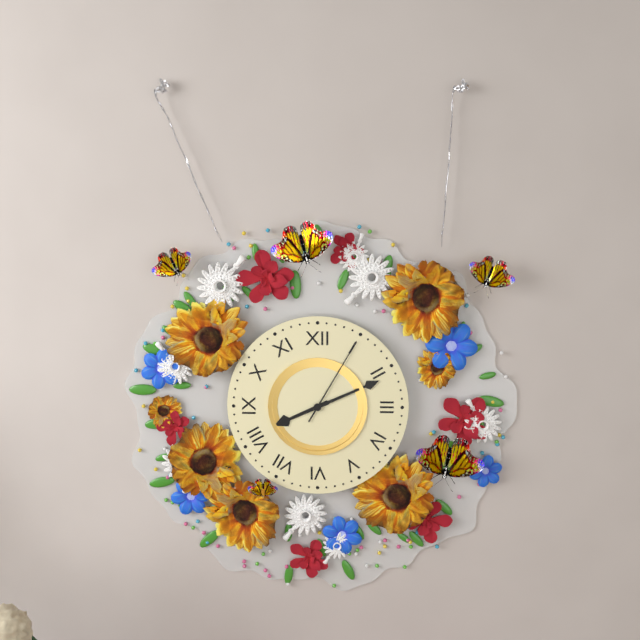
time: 8:11:05
